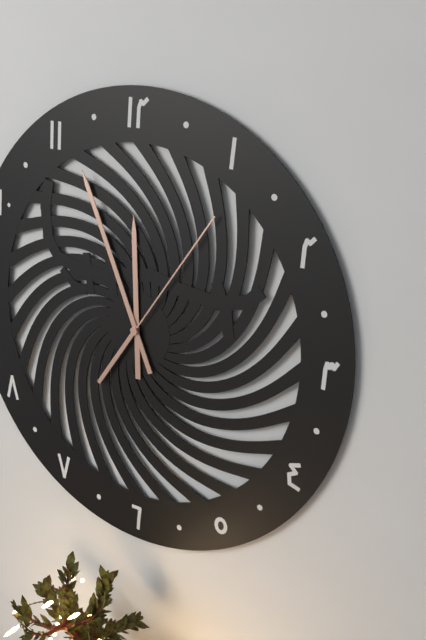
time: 11:56:06
